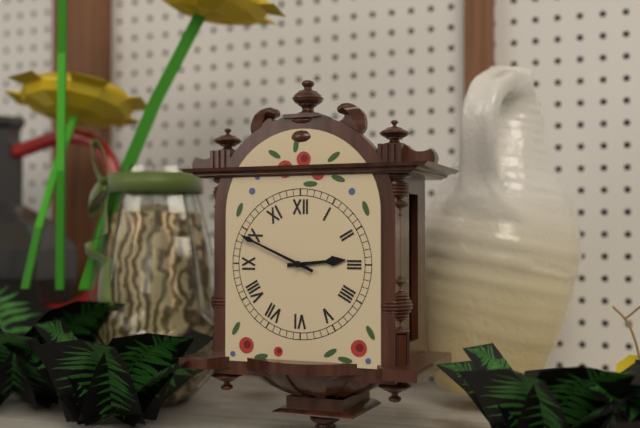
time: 2:49
